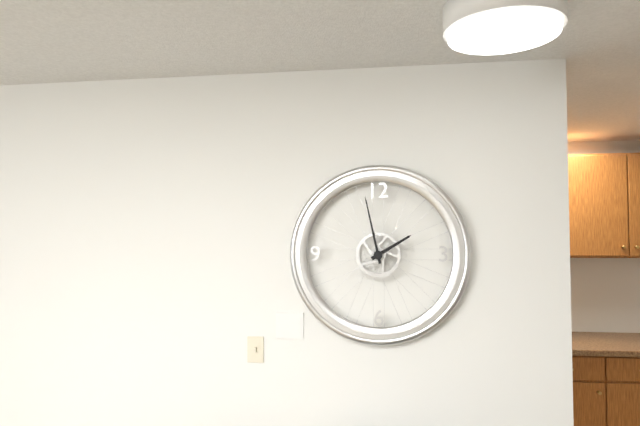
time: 1:58
